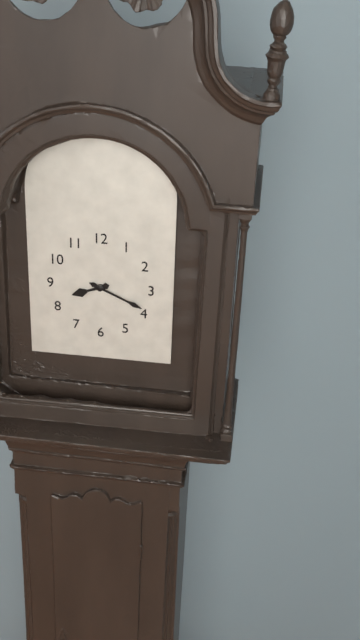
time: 8:19
